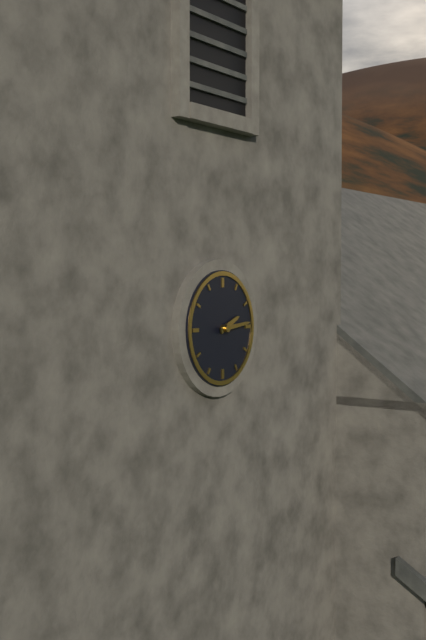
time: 2:14
